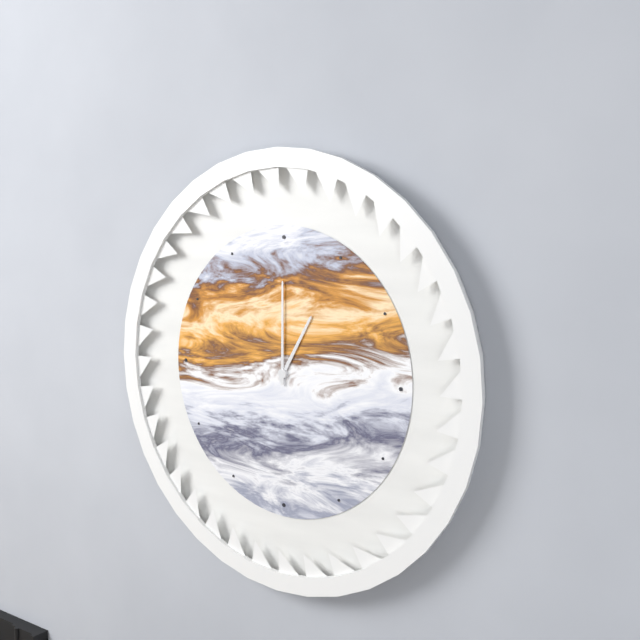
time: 1:00
